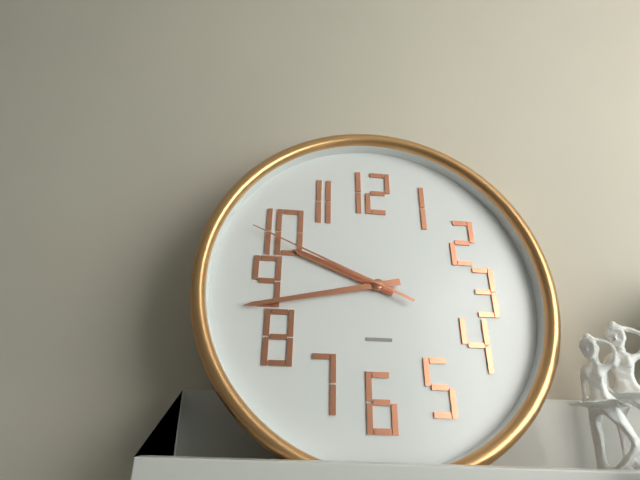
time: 9:43:49
